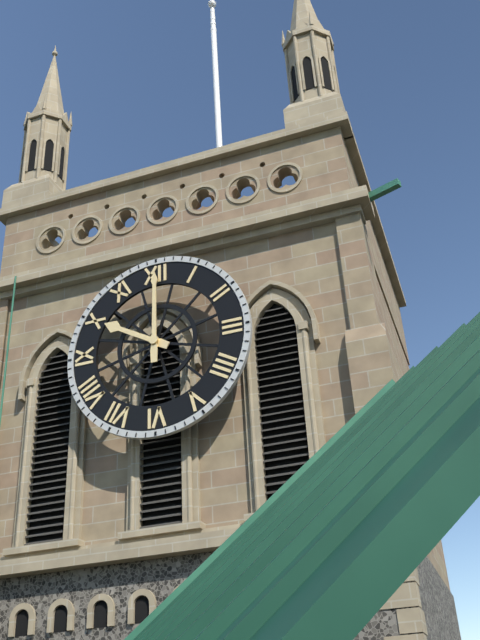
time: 10:00
